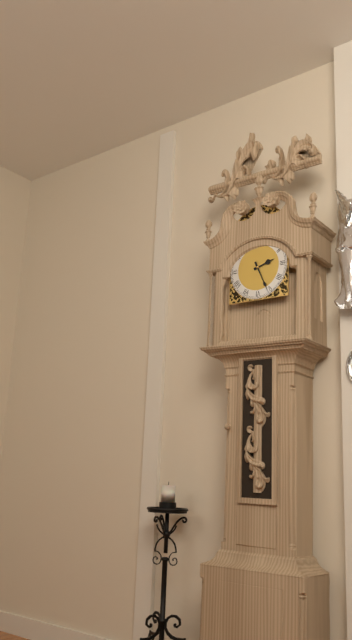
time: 2:26
